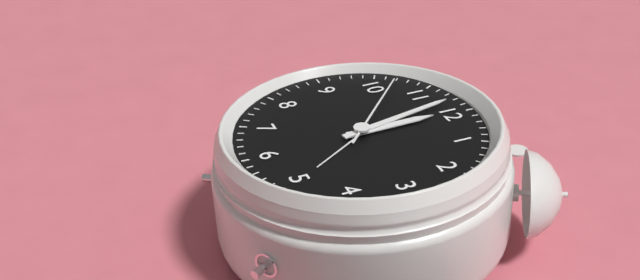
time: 11:58:52
